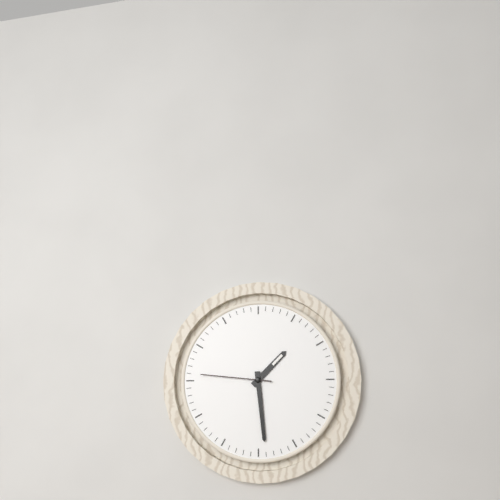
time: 1:29:46
